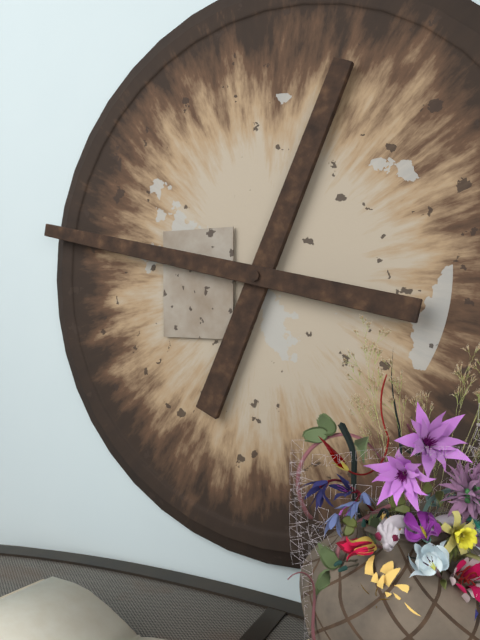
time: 12:47
